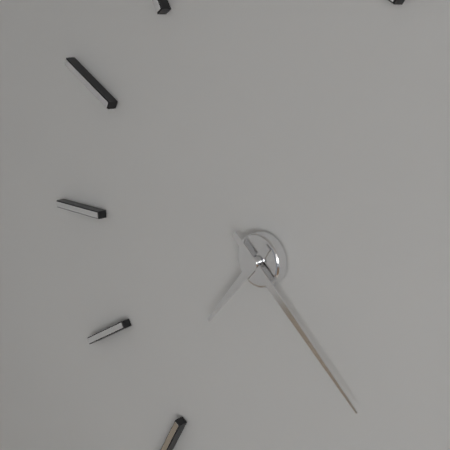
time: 7:22
